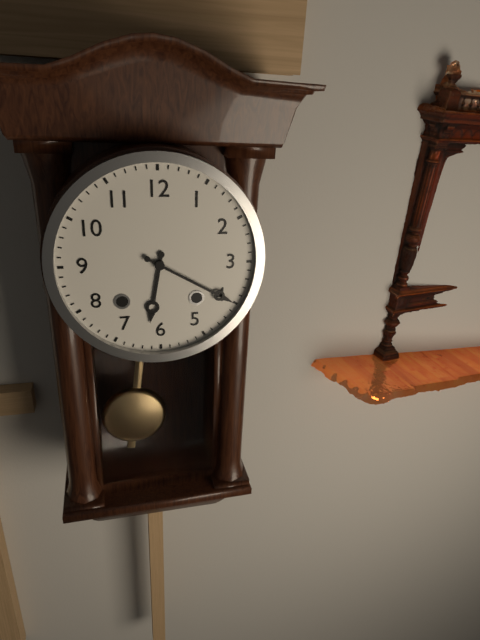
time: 6:20
